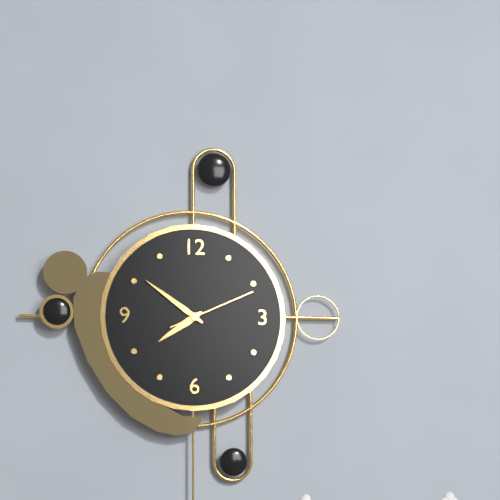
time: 7:51:11
